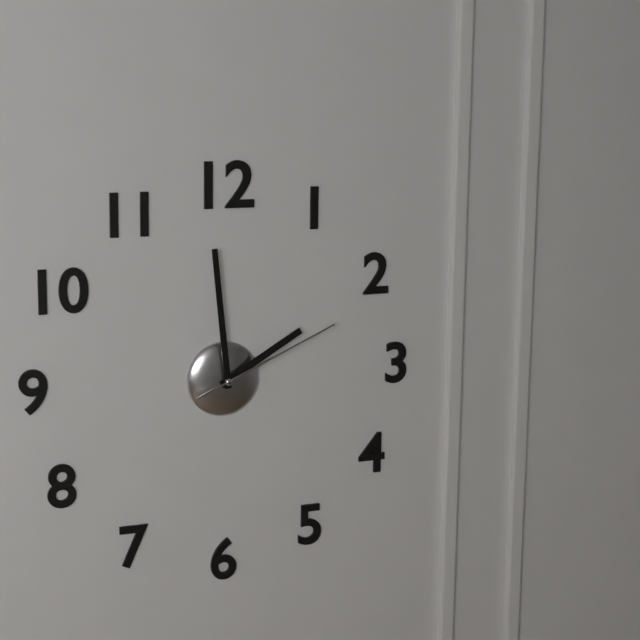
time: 1:59:11
